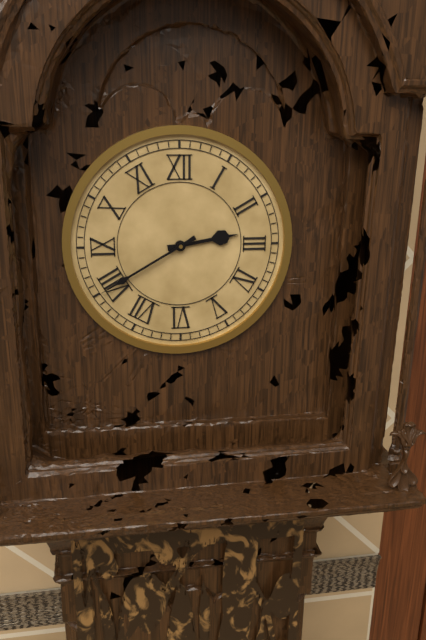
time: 2:40
